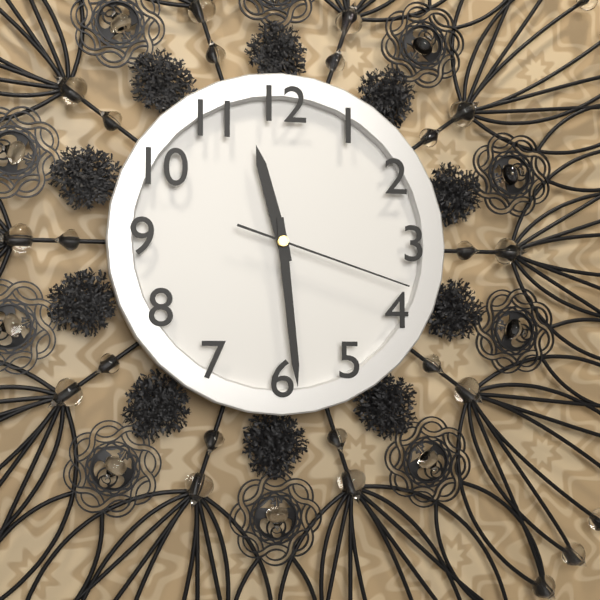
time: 11:29:18
